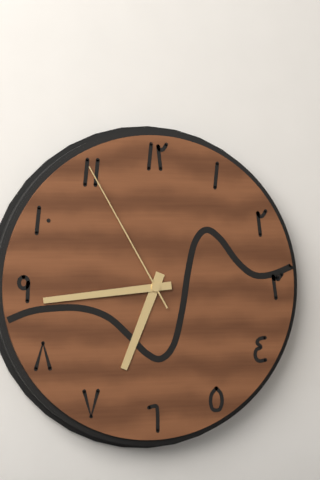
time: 6:44:55
